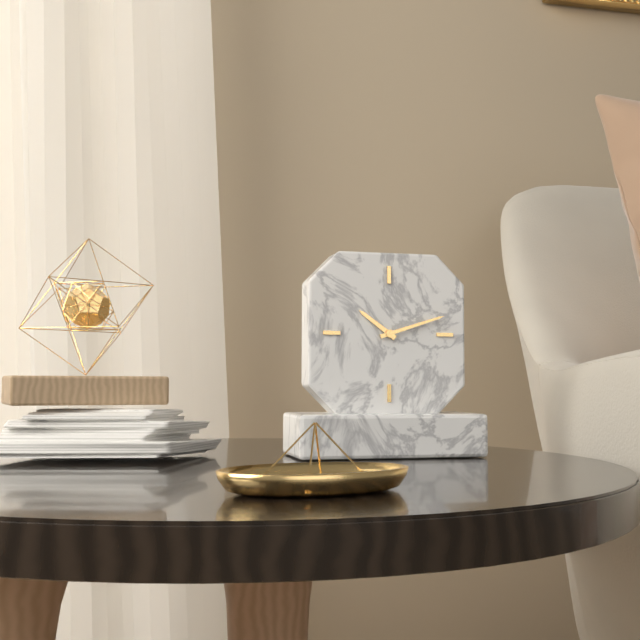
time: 10:12
